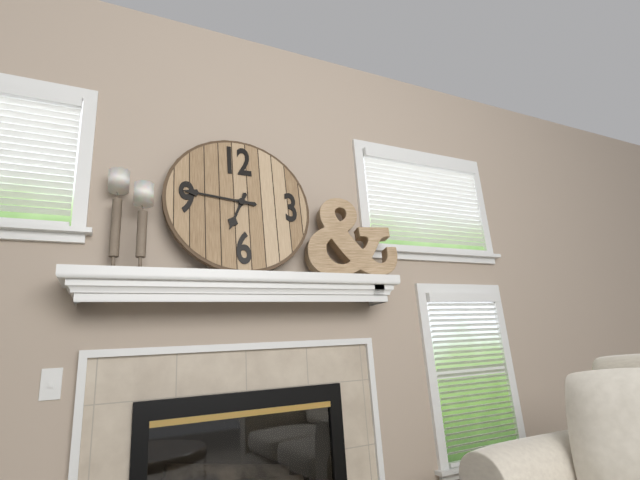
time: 6:46
